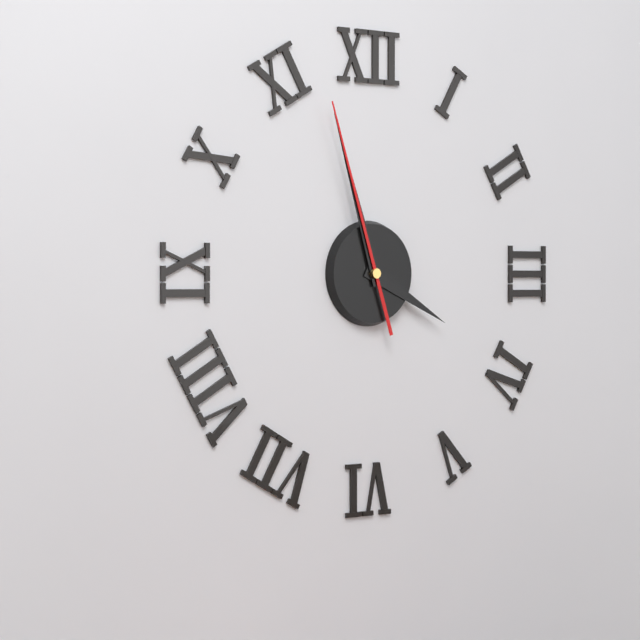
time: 3:57:57
